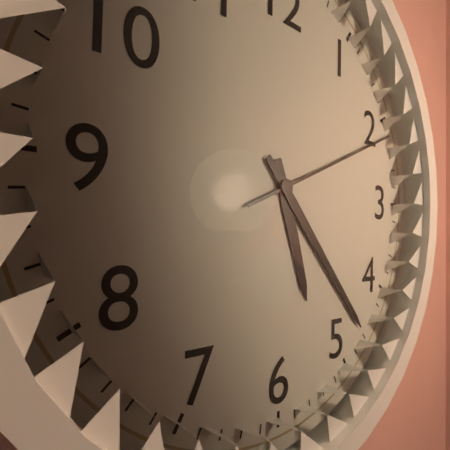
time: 5:23:11
